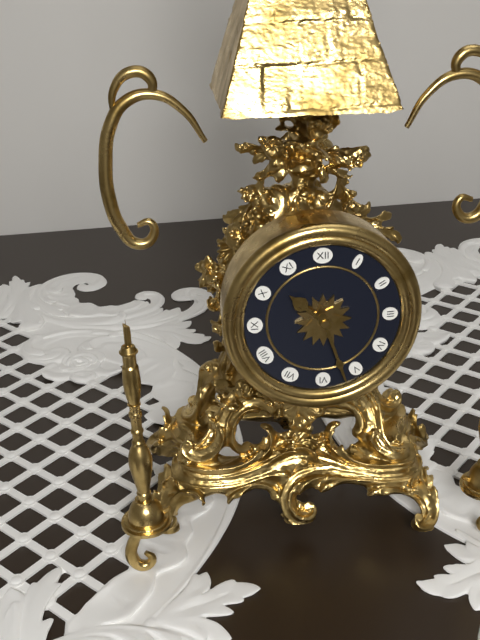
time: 10:27
